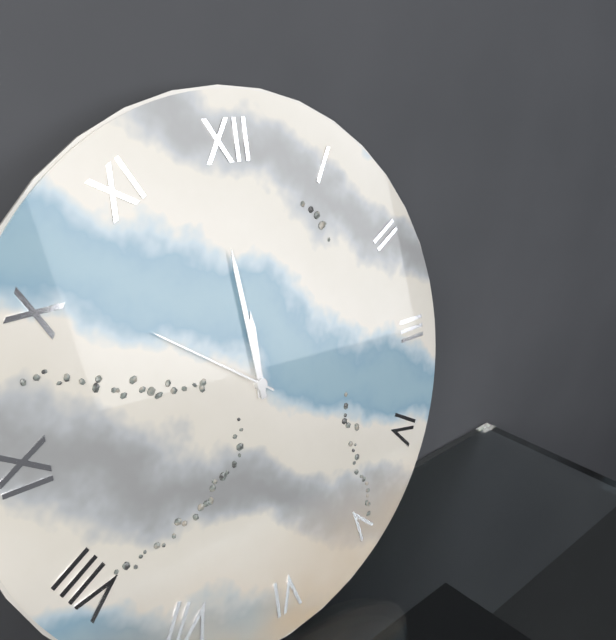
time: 11:59:51
